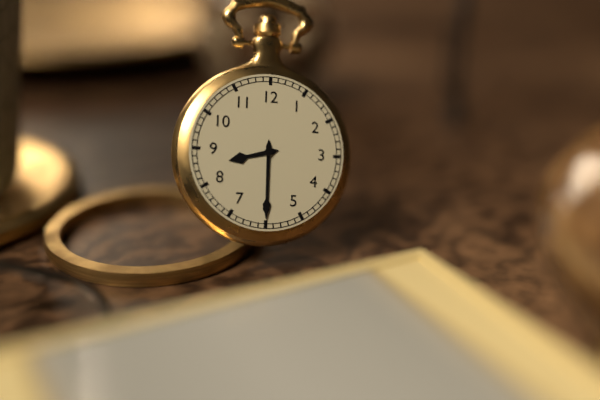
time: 8:30
